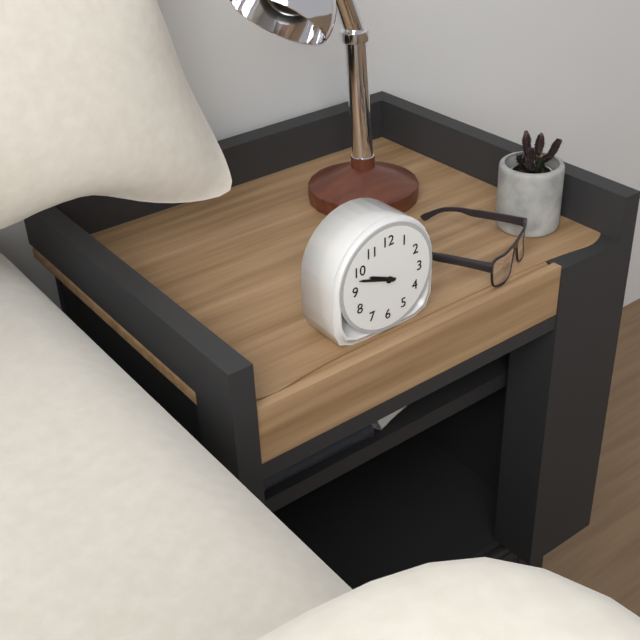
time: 9:48
